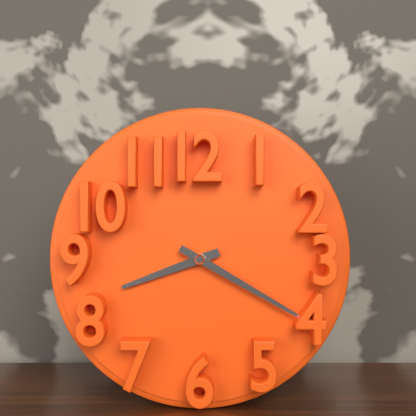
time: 8:20
